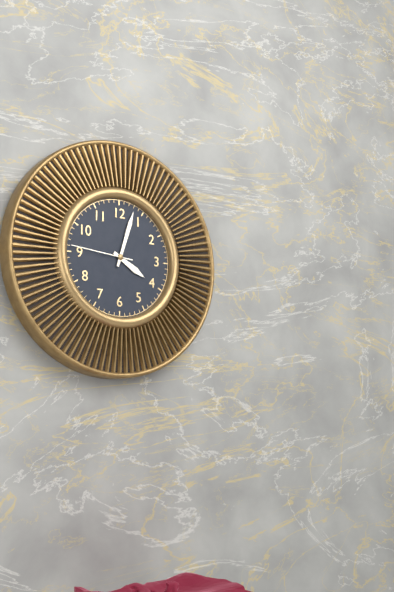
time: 4:03:46
